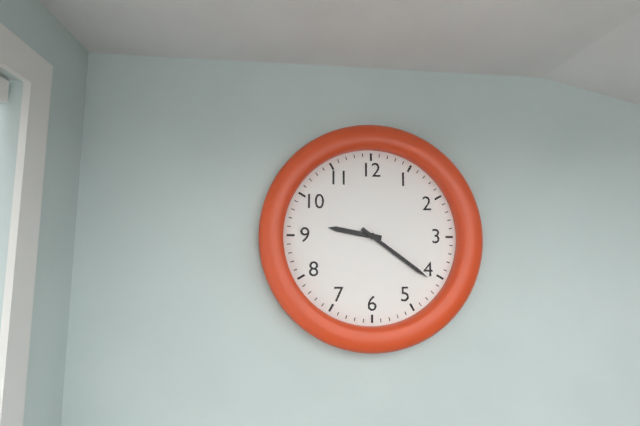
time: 9:21
